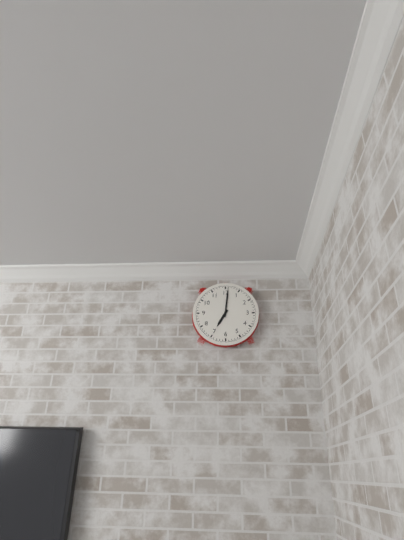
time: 7:01
